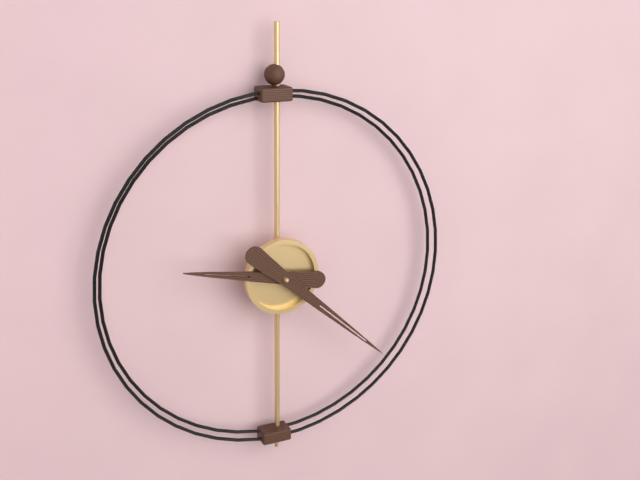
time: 9:22
